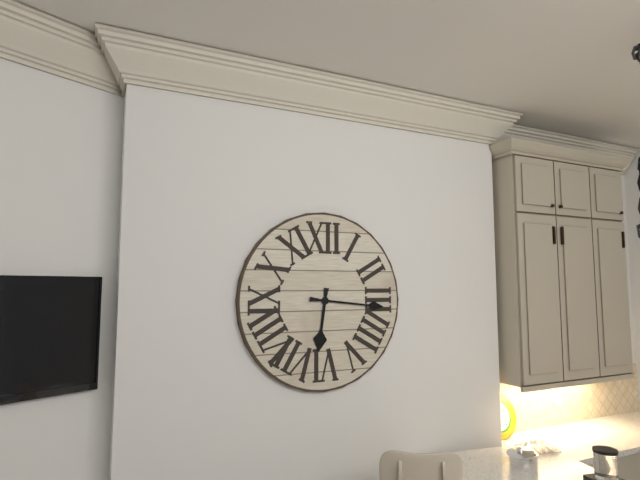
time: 6:16
